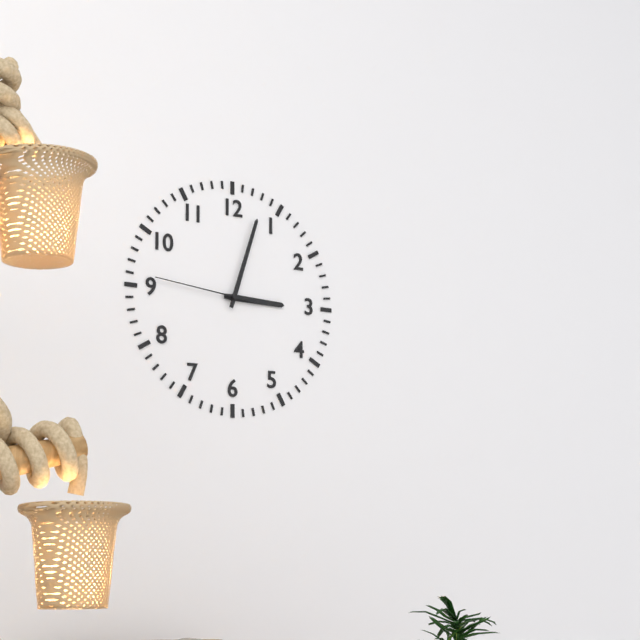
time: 3:03:46
